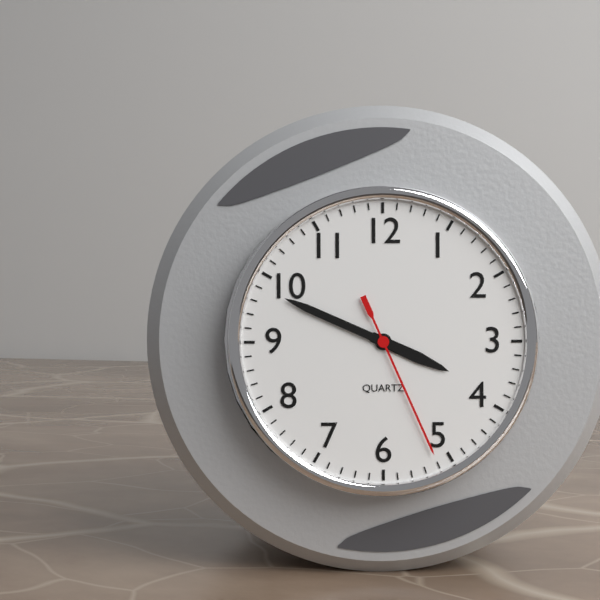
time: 3:49:26
